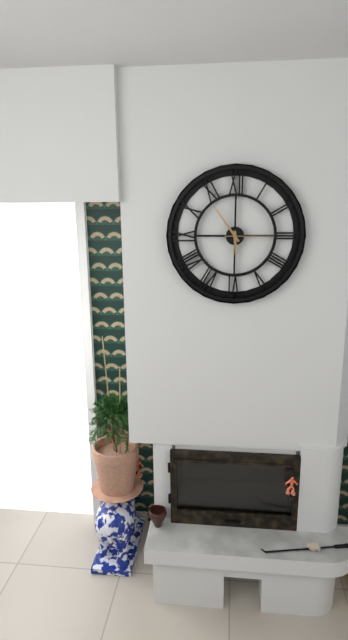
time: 5:54
